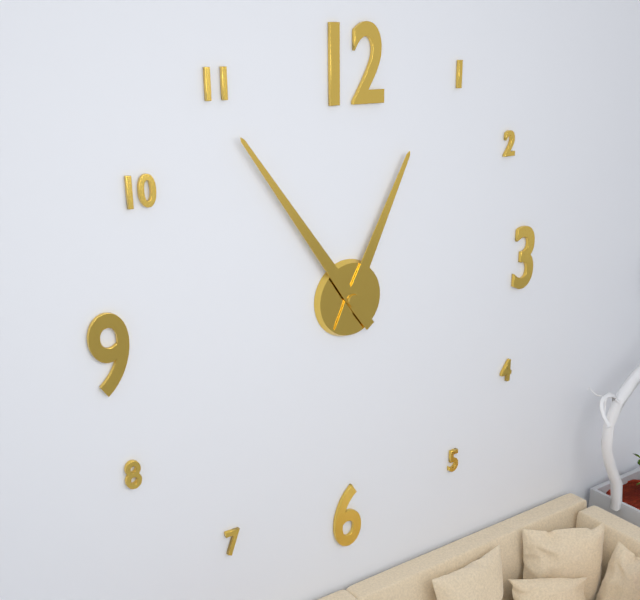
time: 12:54
